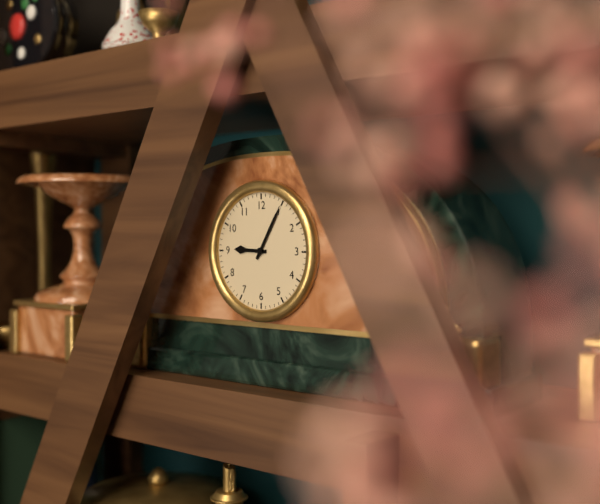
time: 9:05
